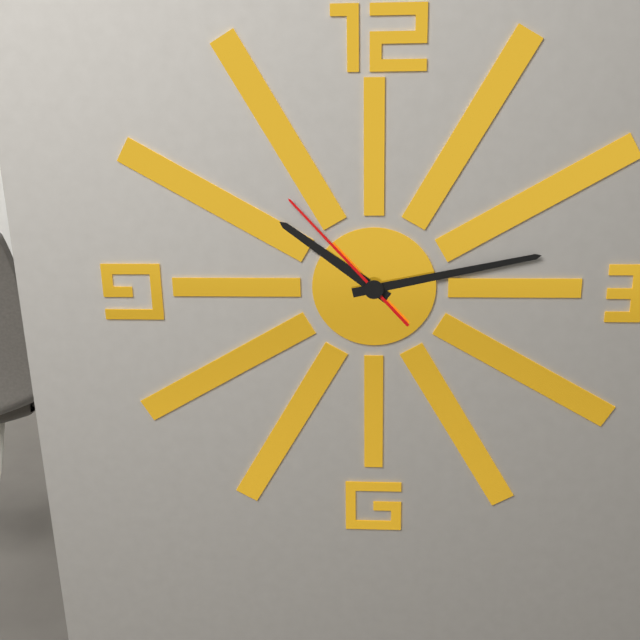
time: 10:13:53
